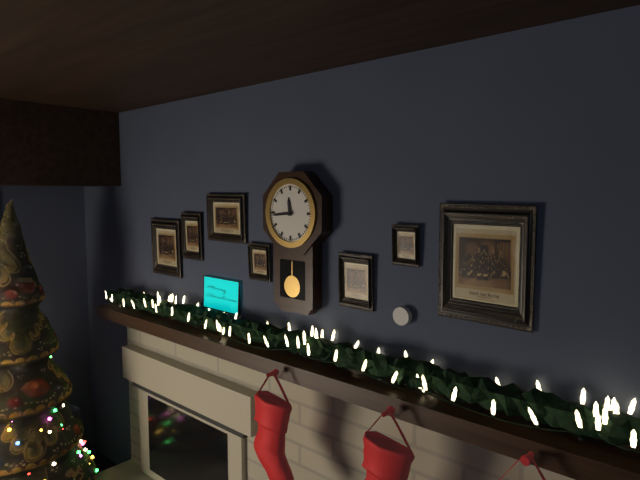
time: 11:44
